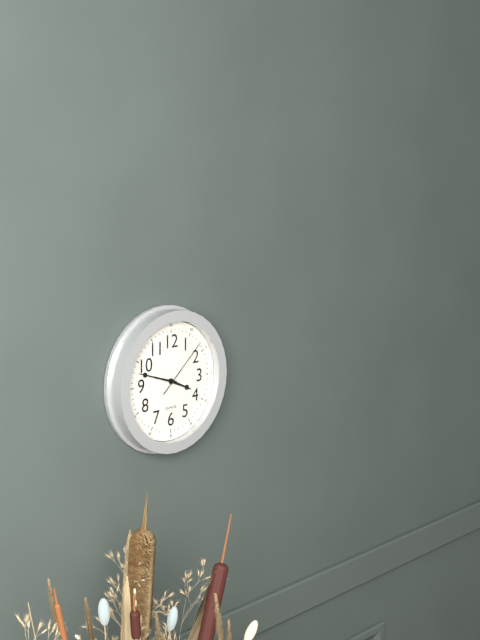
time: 3:48:08
